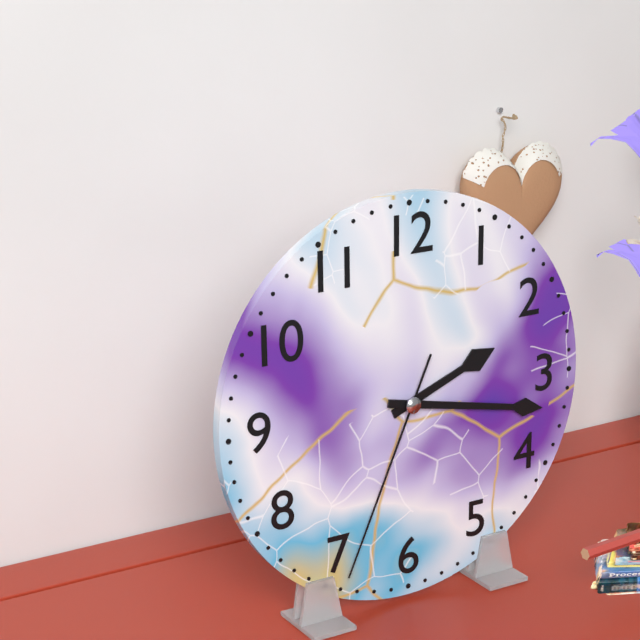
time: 2:17:34
